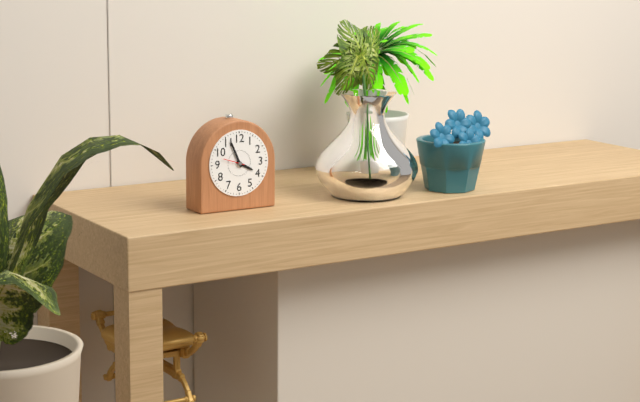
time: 3:56
